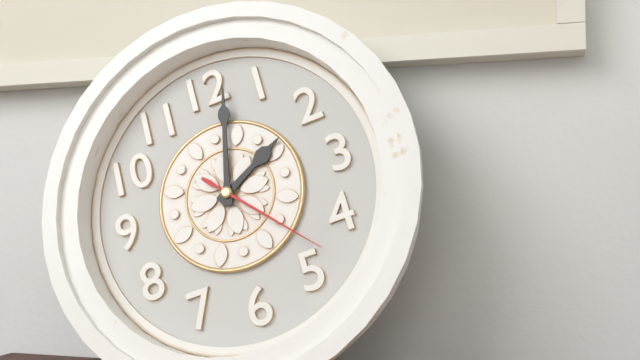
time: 2:02:23
